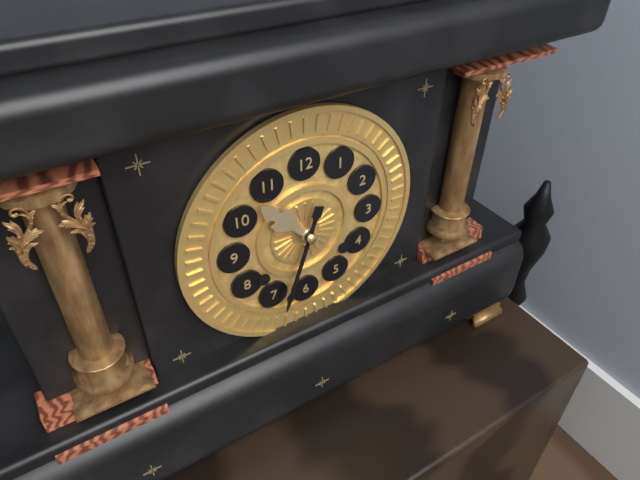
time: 10:33
